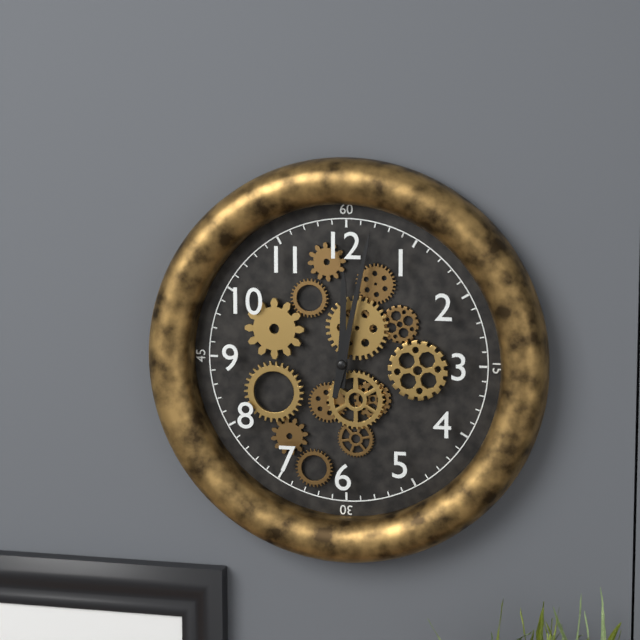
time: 12:02
